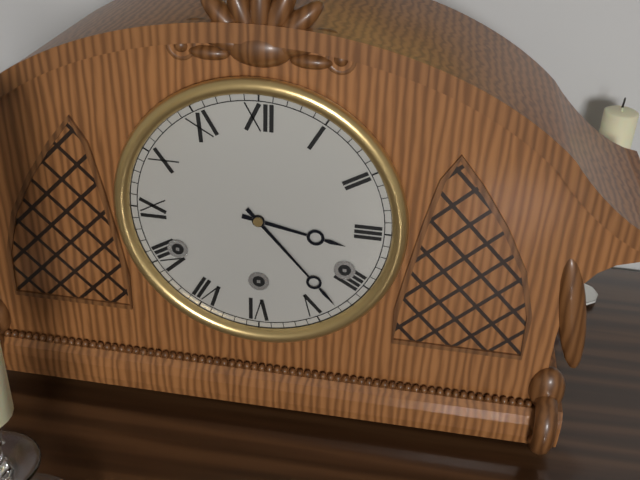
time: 3:23
